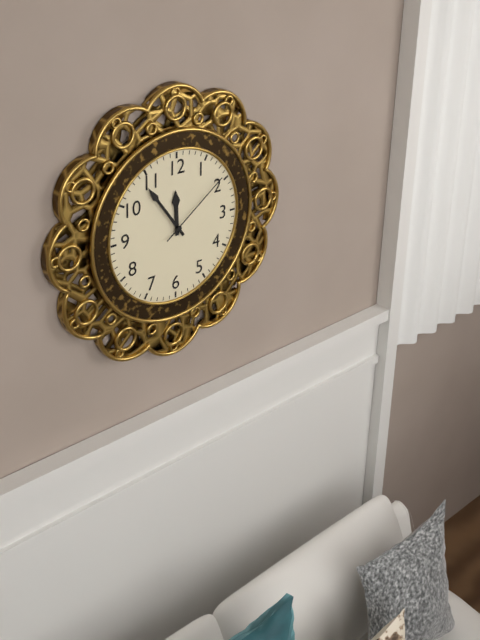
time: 11:54:09
